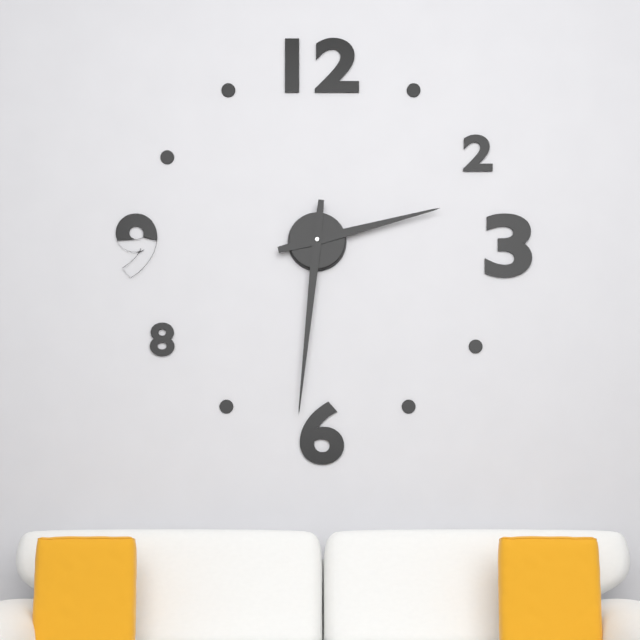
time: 2:31
